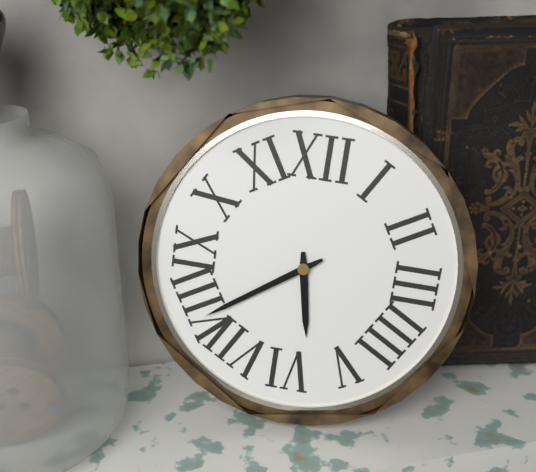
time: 5:39
